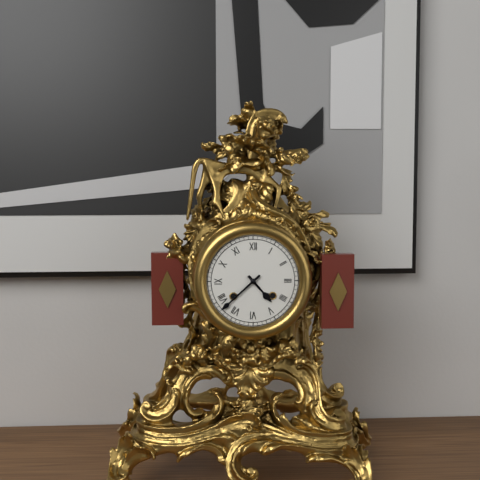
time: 4:38
